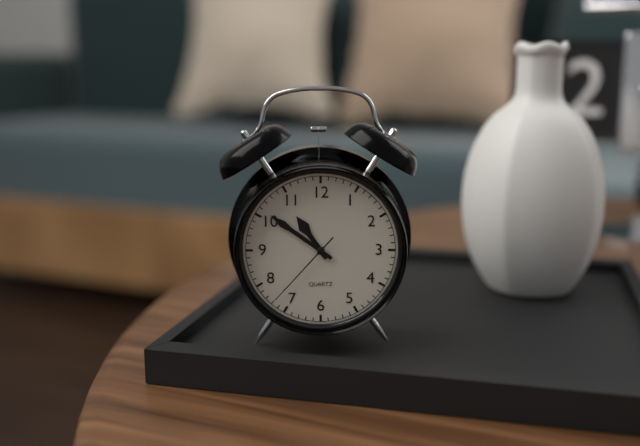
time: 10:51:37
